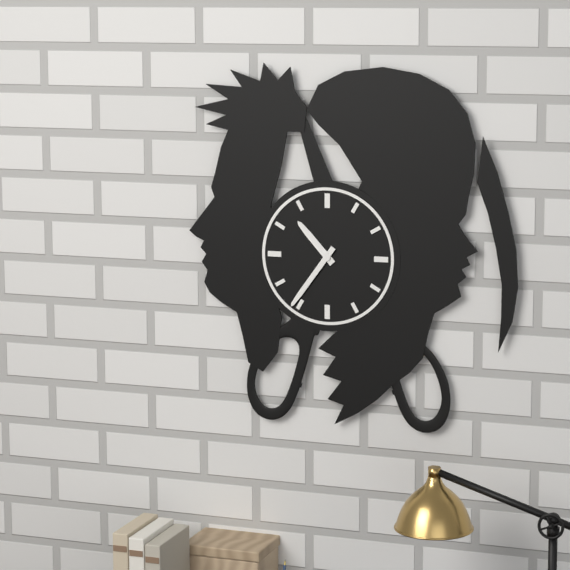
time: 10:36
